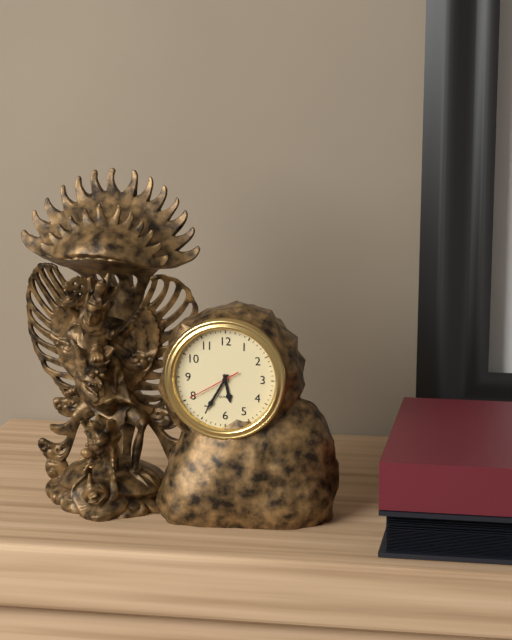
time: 5:35:40
